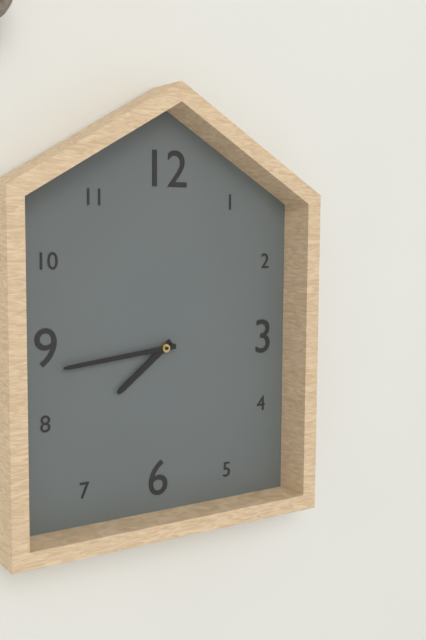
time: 7:44
